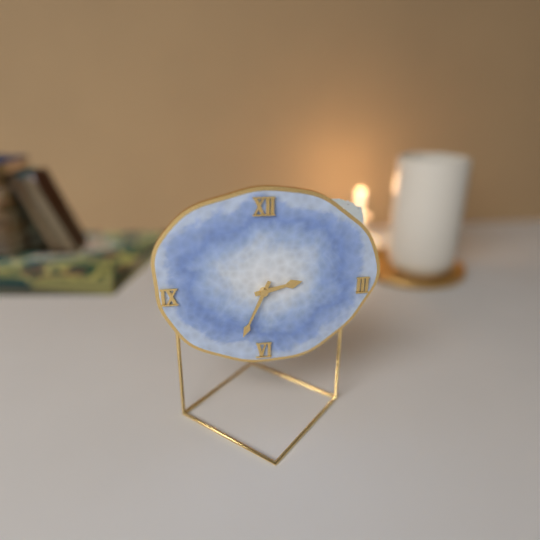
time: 2:34
